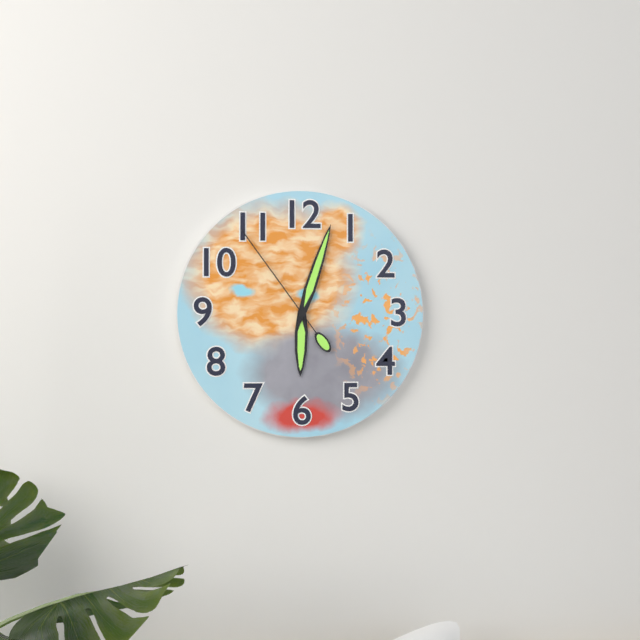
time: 6:03:54
